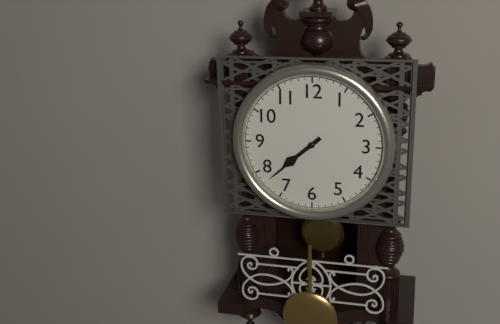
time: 7:38
